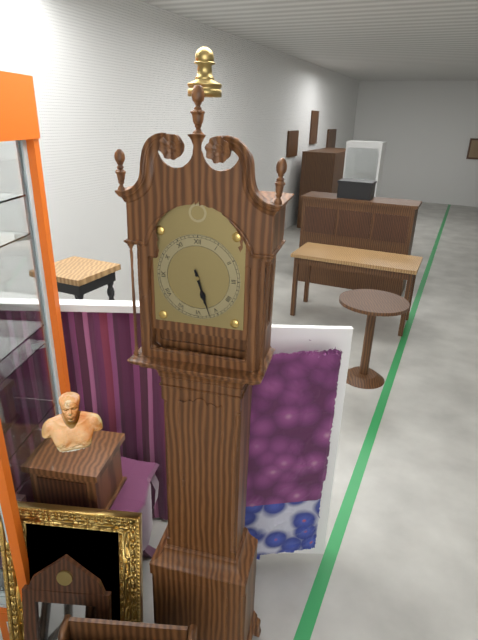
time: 5:27
